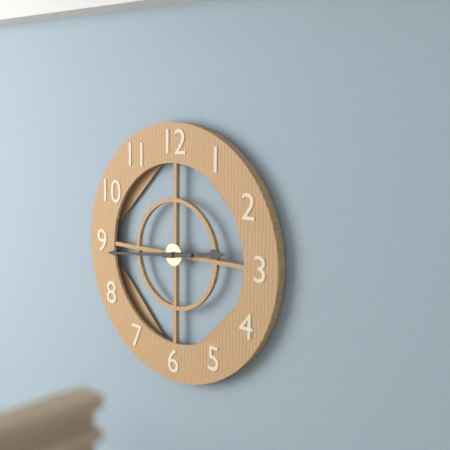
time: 2:44
